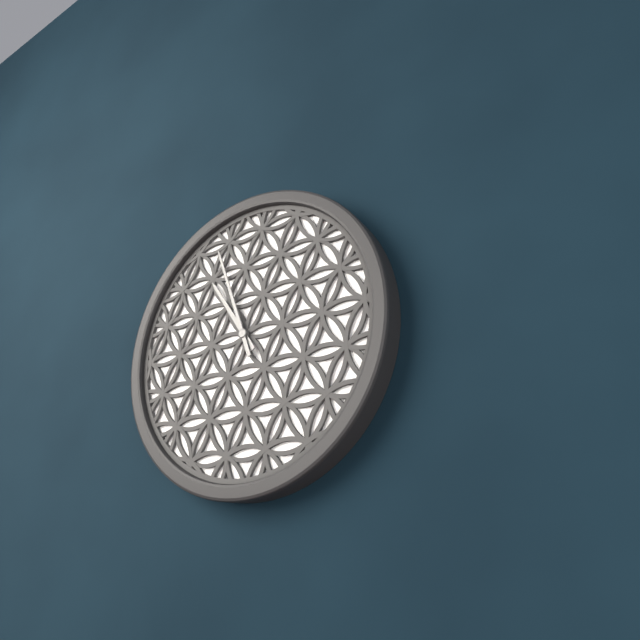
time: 10:57
